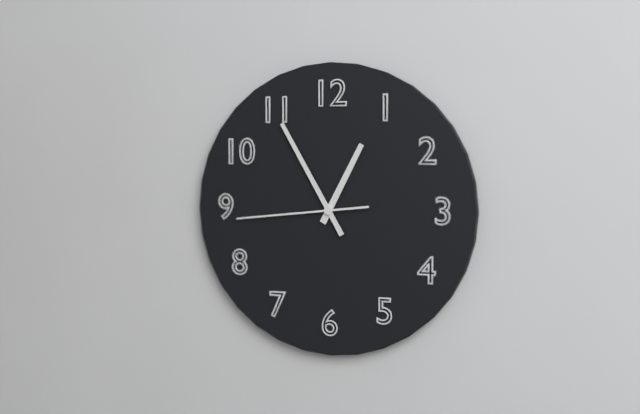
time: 12:55:44
